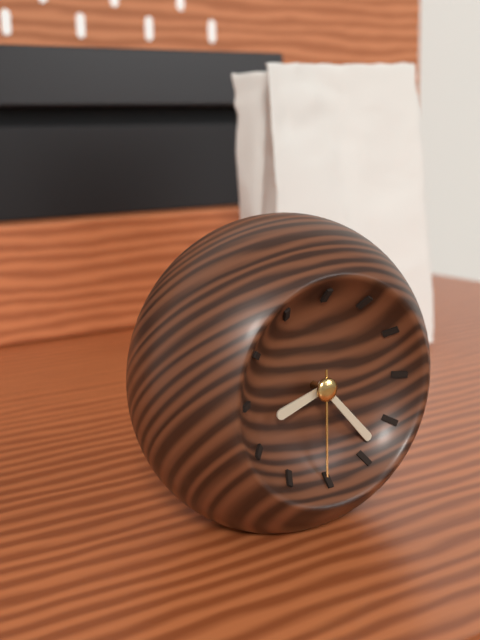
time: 8:23:30
